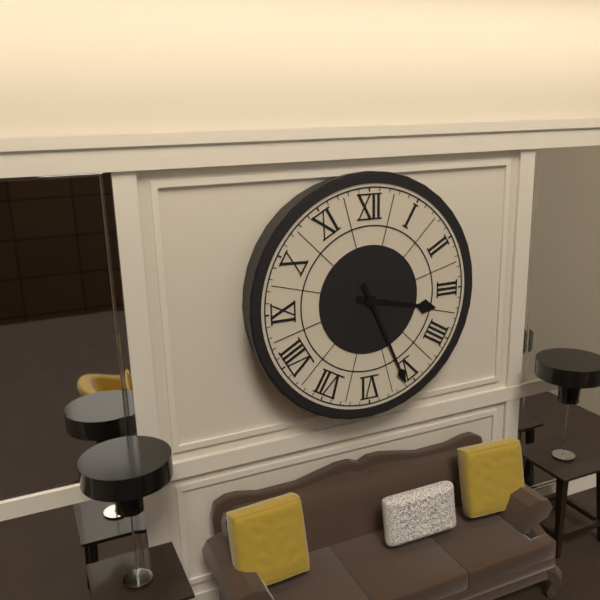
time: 3:26
